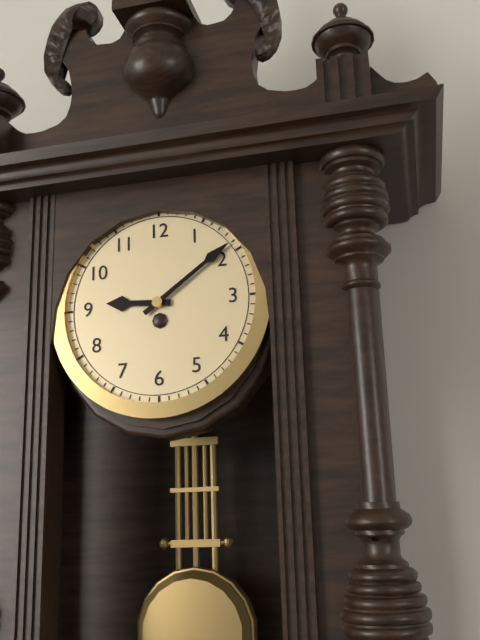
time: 9:09
